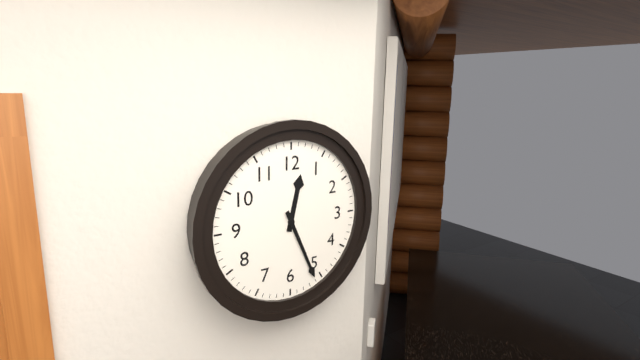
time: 12:26
